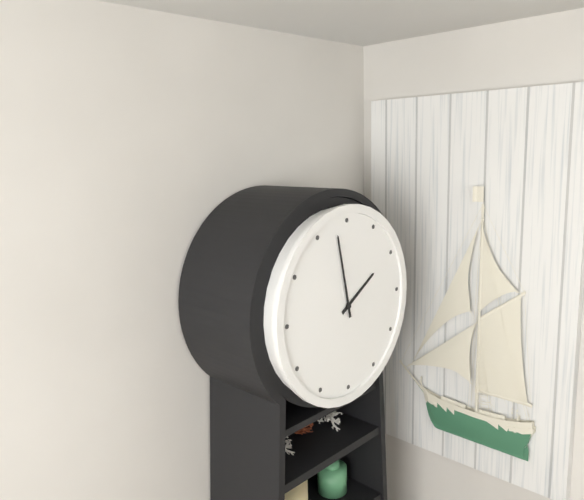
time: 1:58
